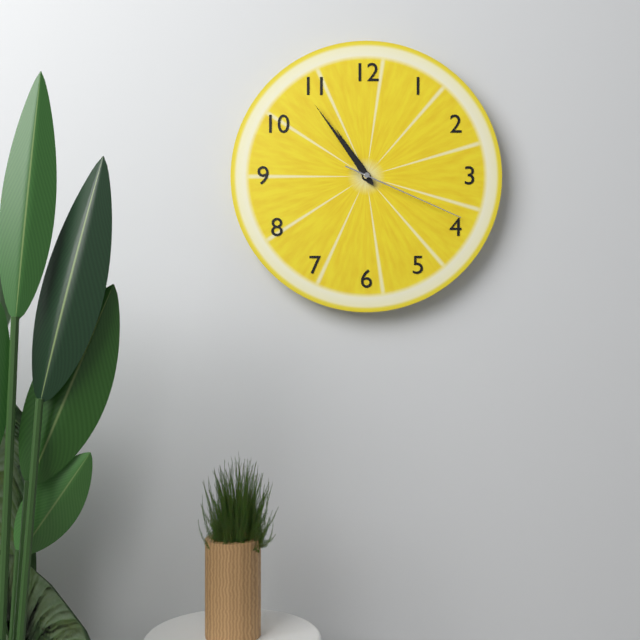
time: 10:54:19
